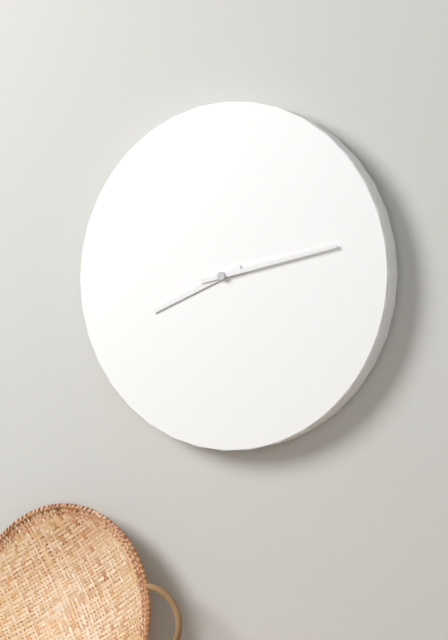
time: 8:13
